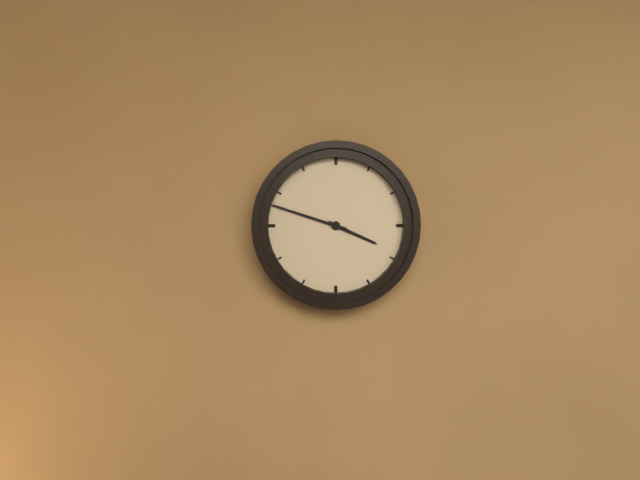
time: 3:48
